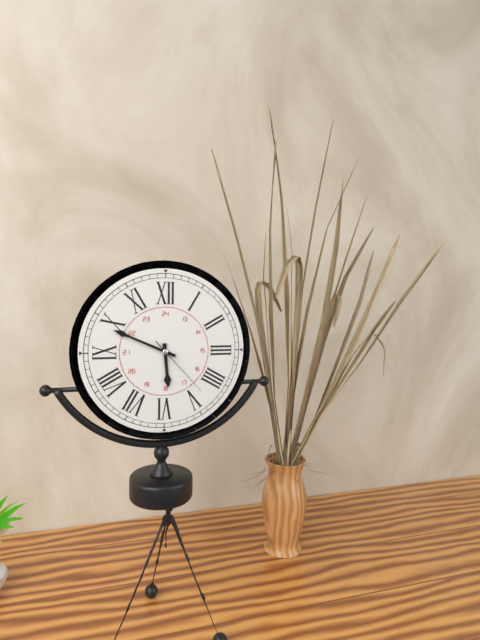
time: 5:49:23
